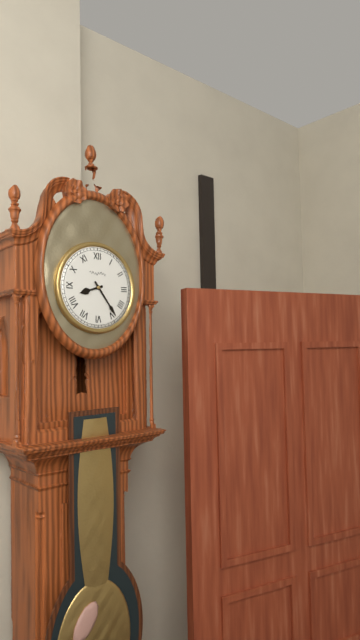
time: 8:24
